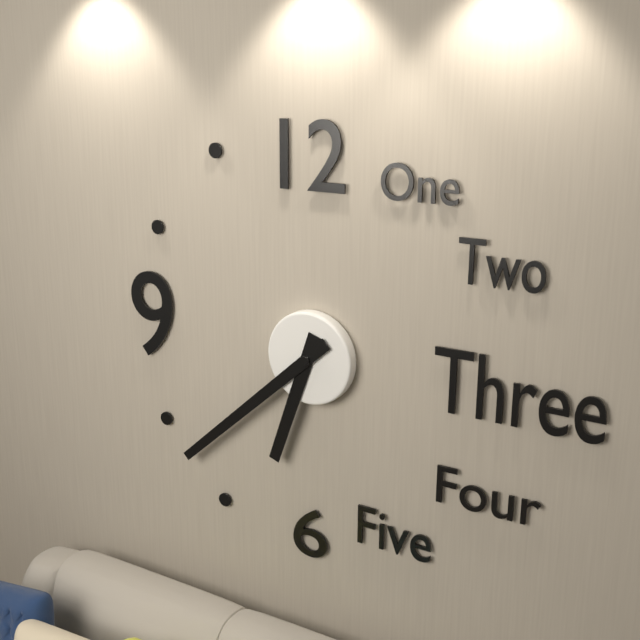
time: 6:38
